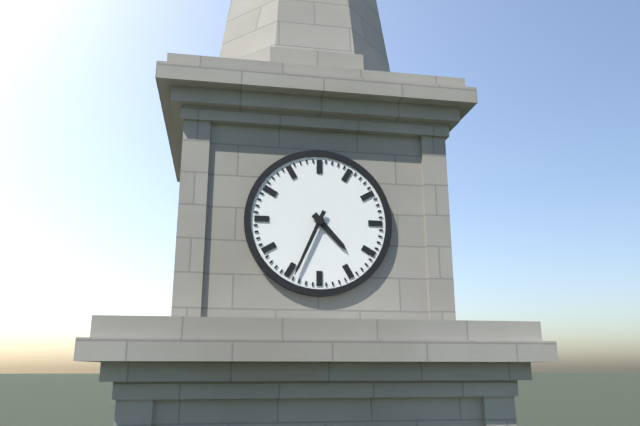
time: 4:34
